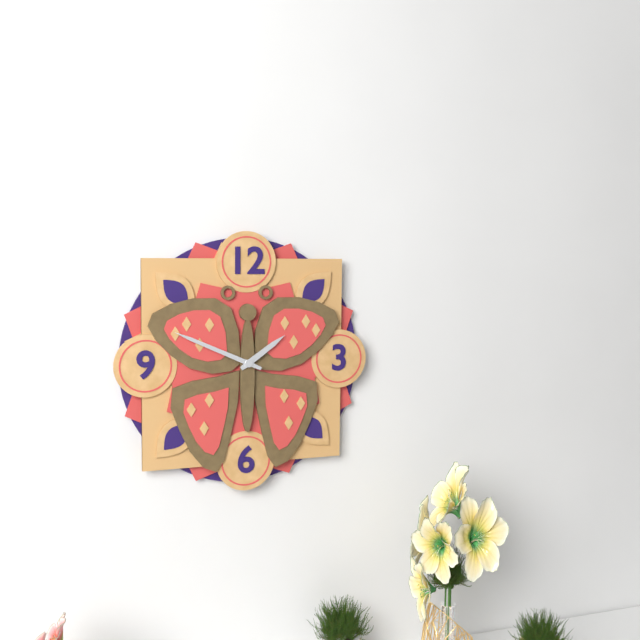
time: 1:49
